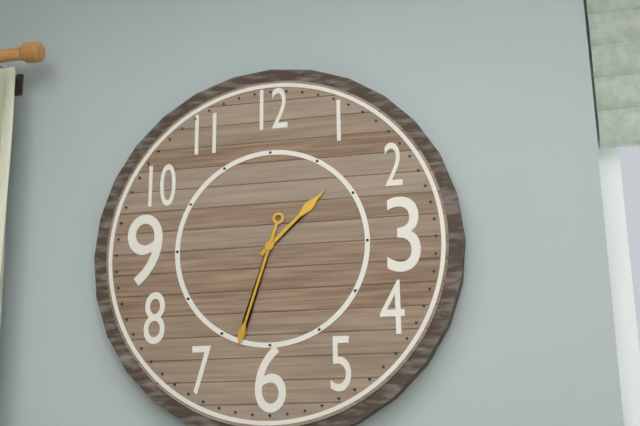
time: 1:33
